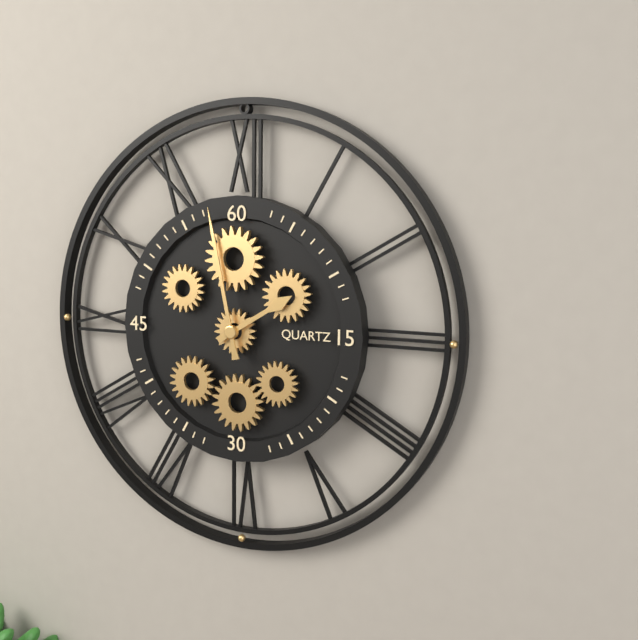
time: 1:58
